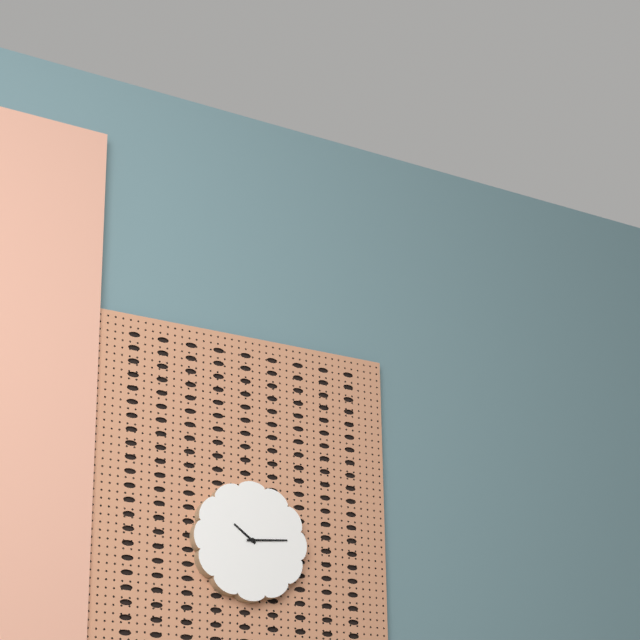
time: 10:14
